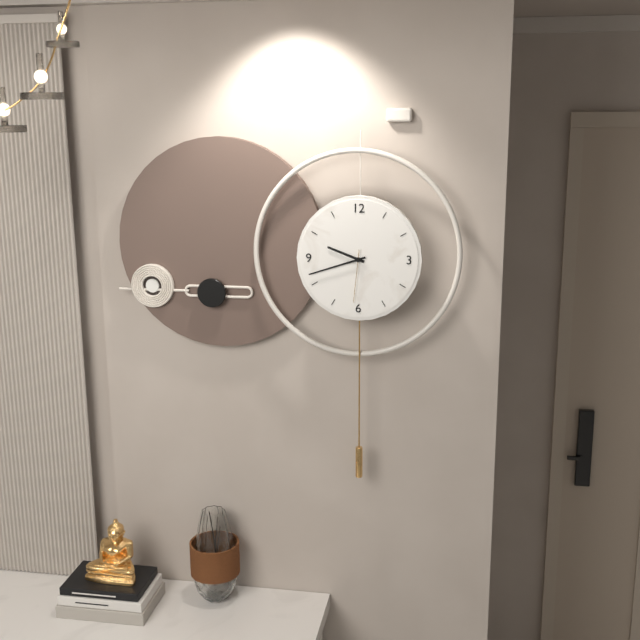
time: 9:42:31
